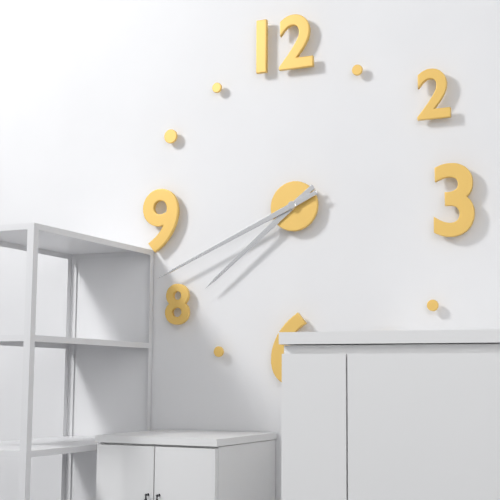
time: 7:41
